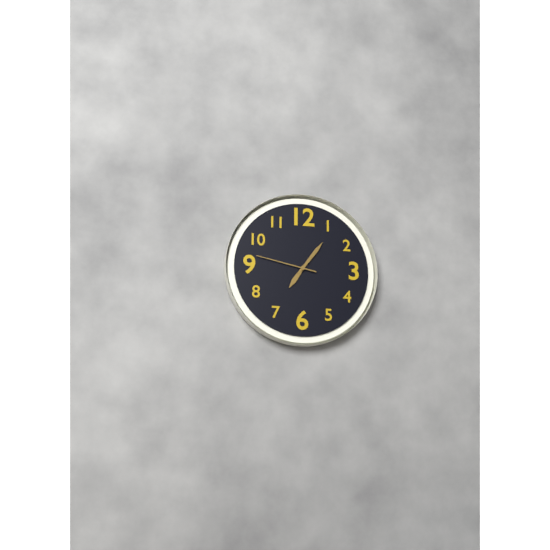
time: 7:06:47
